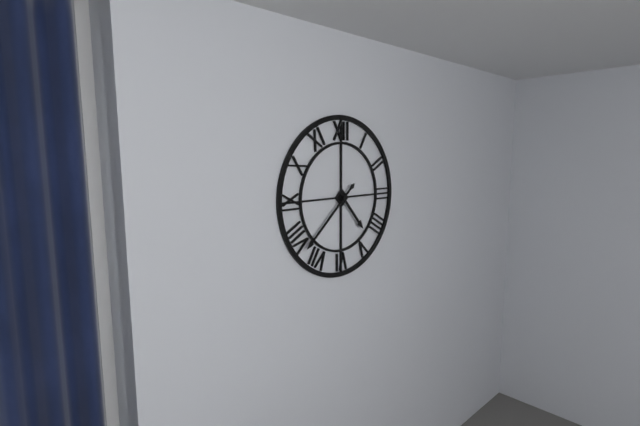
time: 4:38
